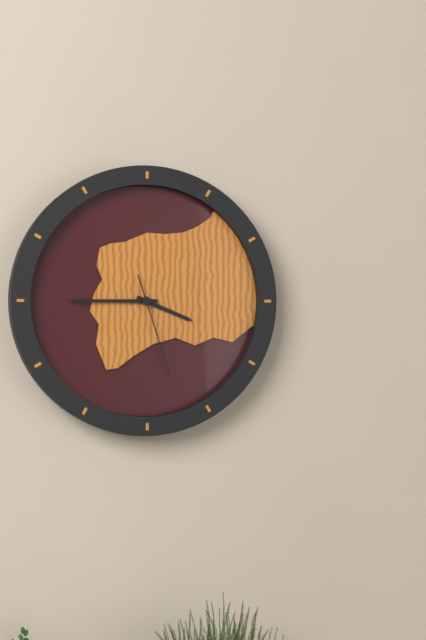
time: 3:45:27
